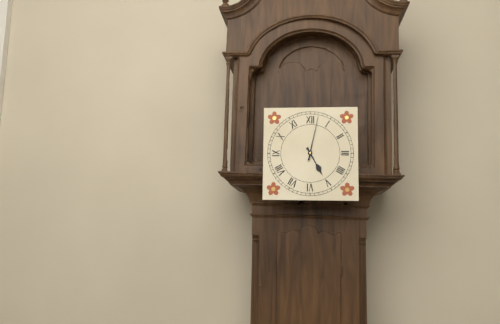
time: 5:02
